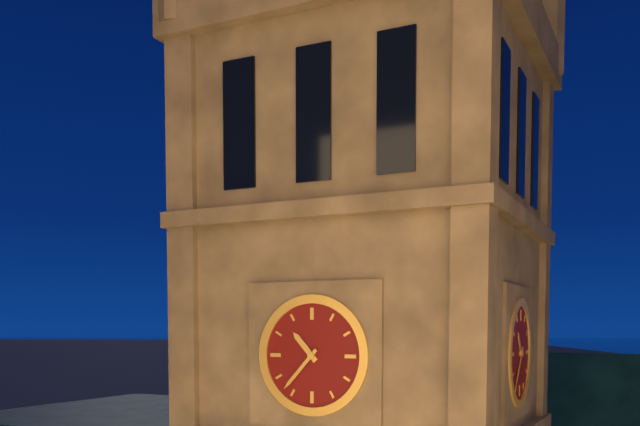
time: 10:37
